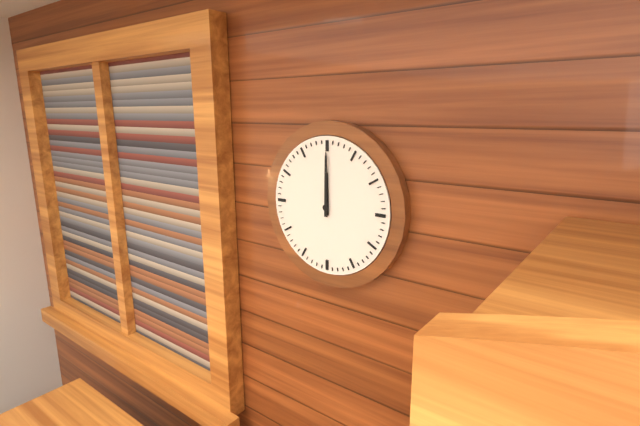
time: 12:00
